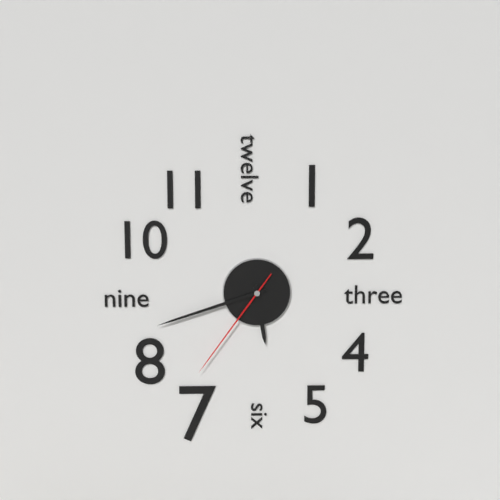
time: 5:42:36
